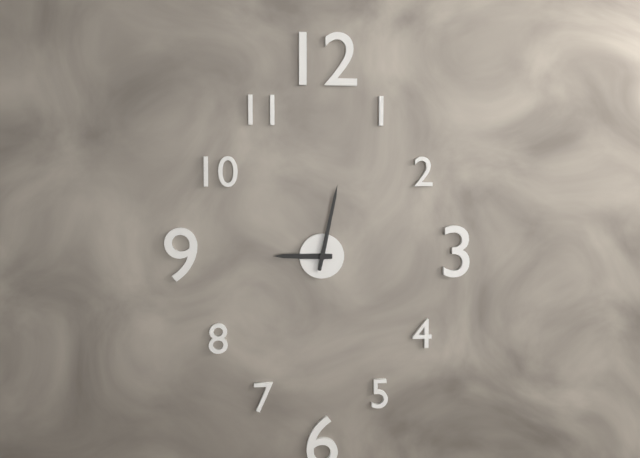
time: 9:02
